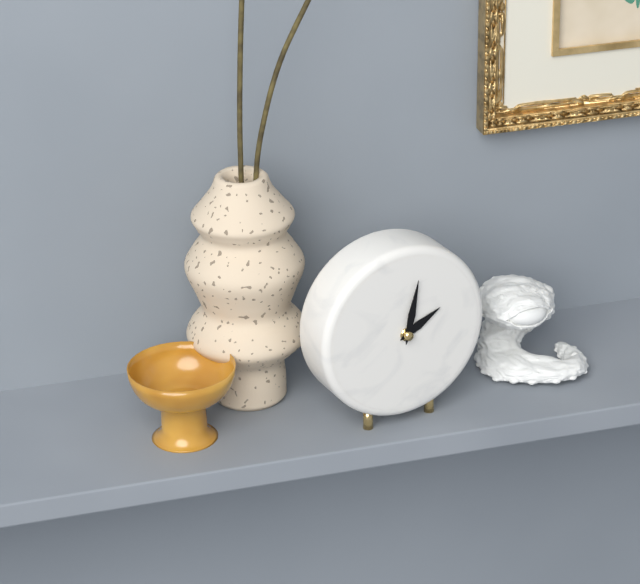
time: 2:02
